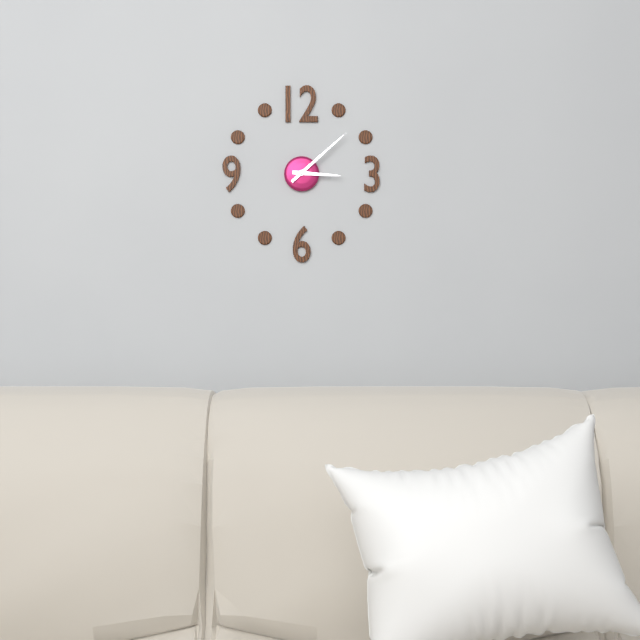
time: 3:08
